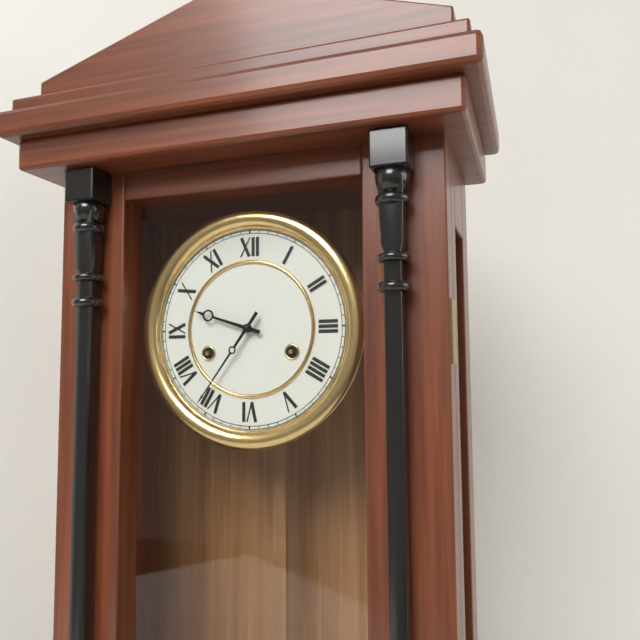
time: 9:36
